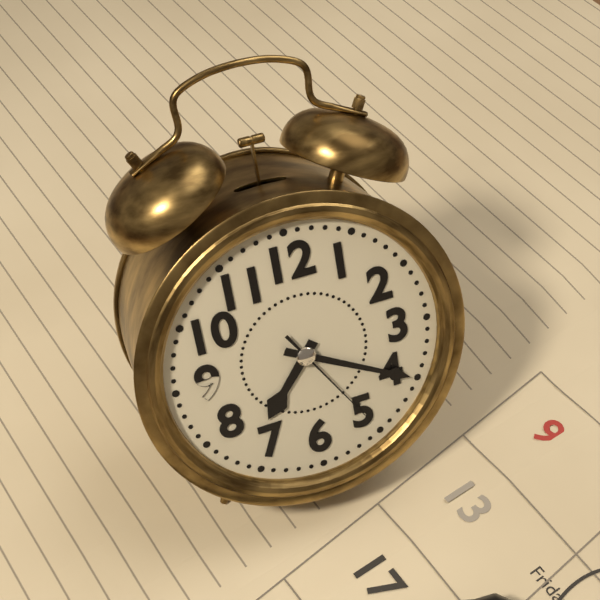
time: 7:20:25
